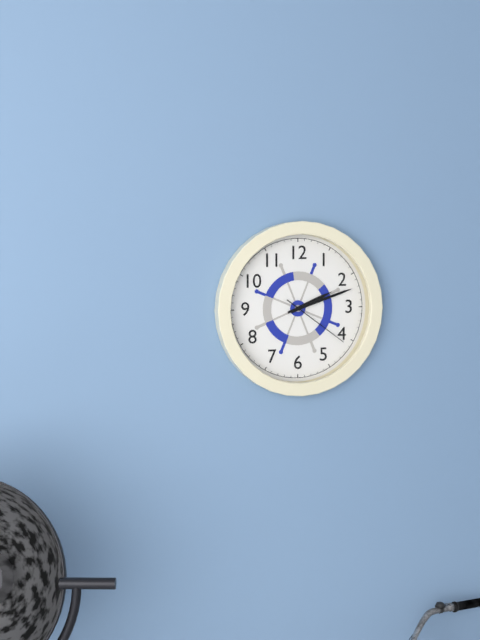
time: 2:12:21
